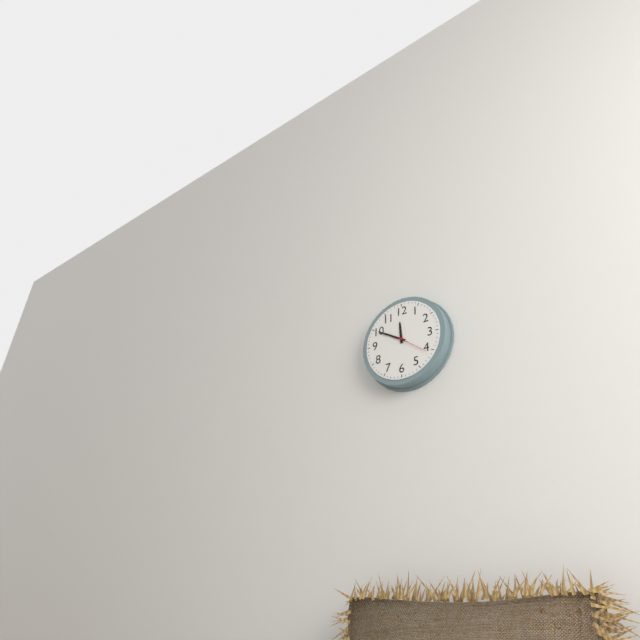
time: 11:50
